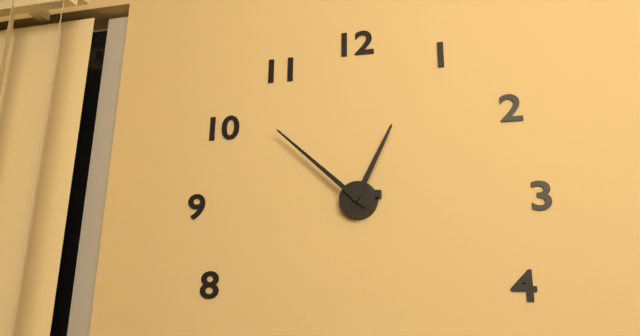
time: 12:52
